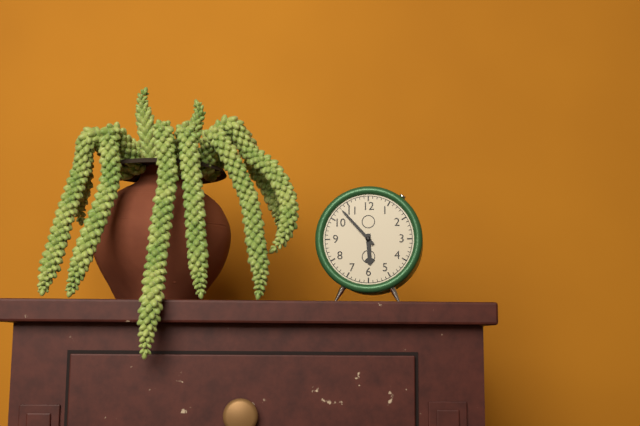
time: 5:53
